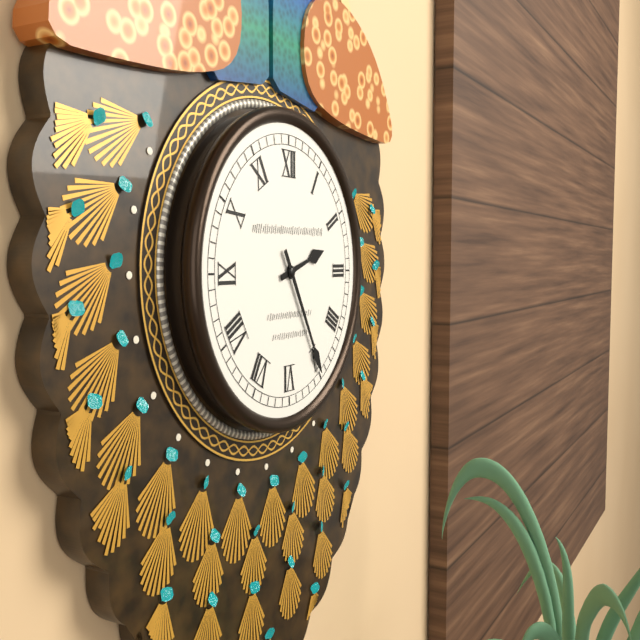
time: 2:25
